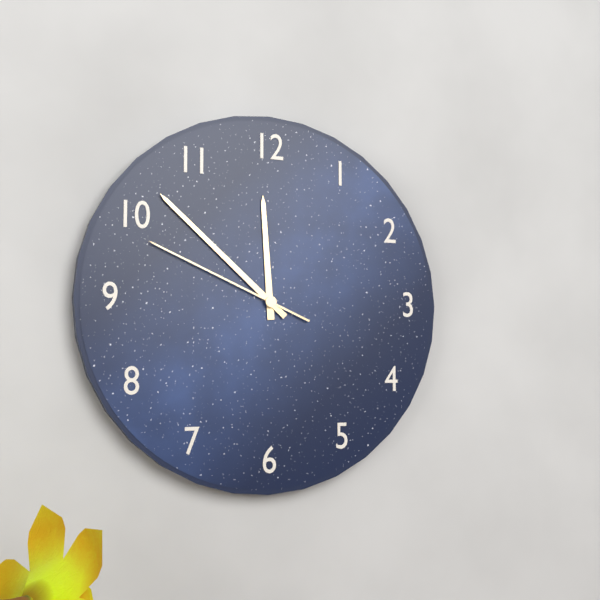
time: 11:52:49
